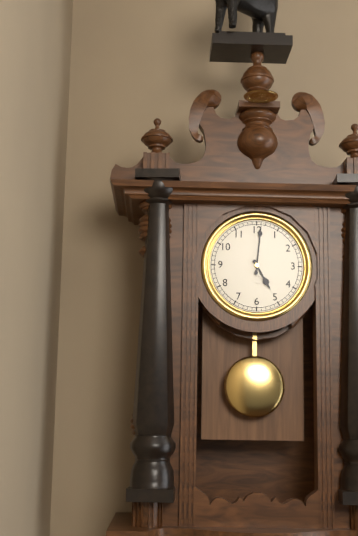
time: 5:01
